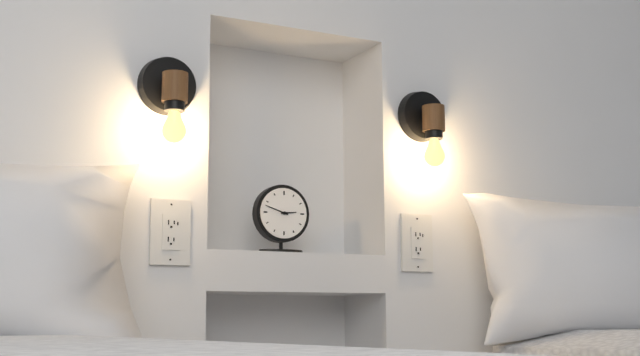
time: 2:48
